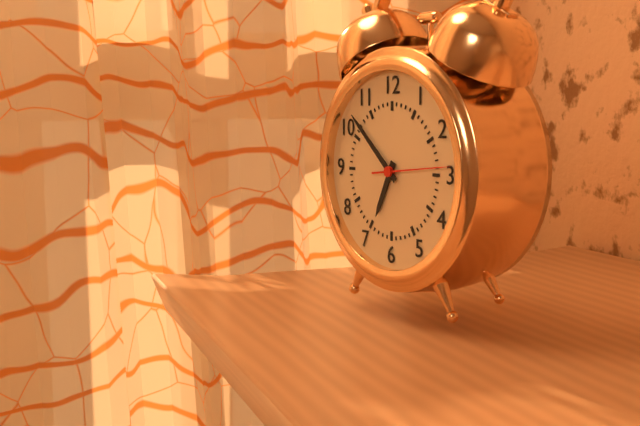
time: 6:52:14
